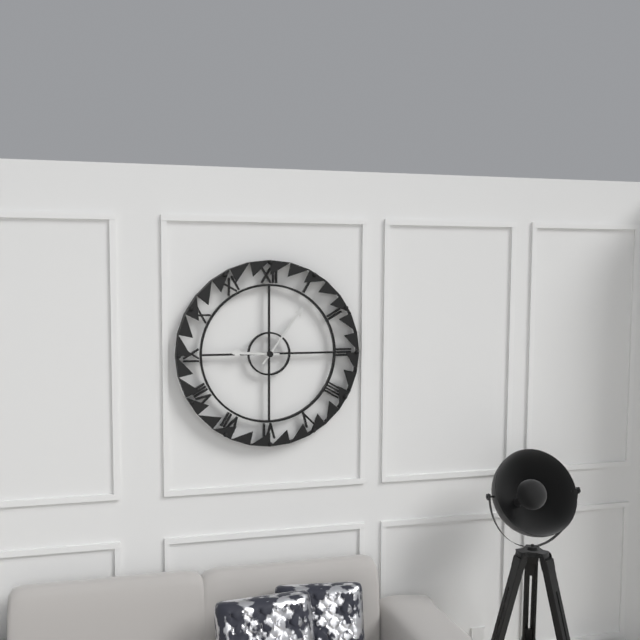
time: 9:06
